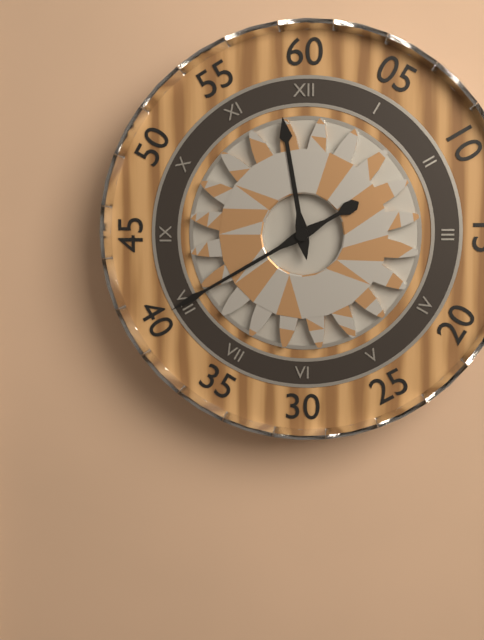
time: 11:40
